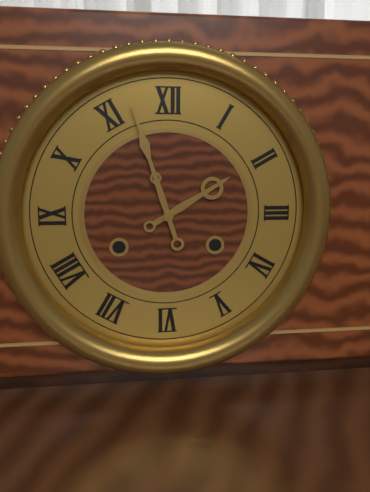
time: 1:57
